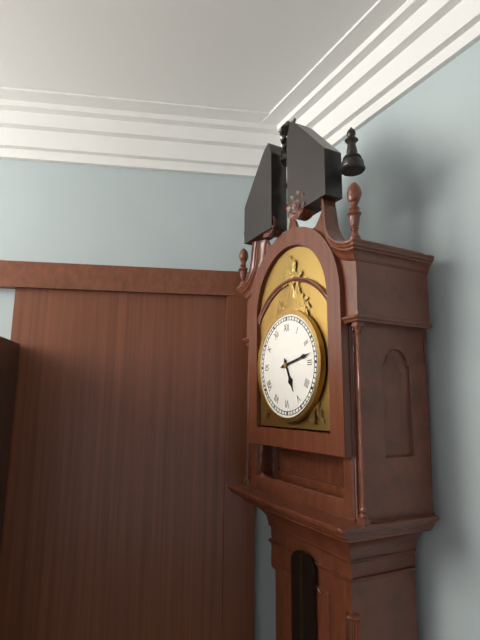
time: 5:13
